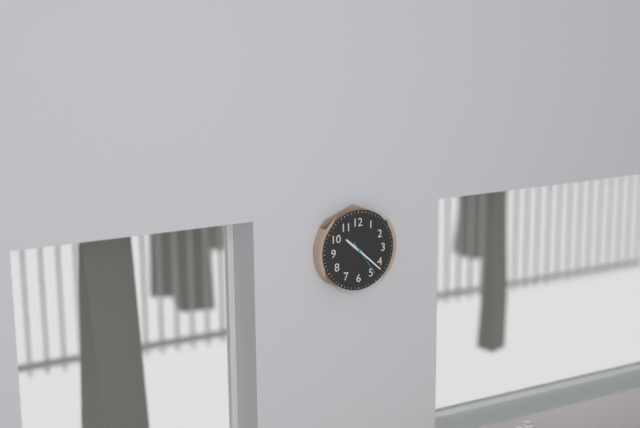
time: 10:22
